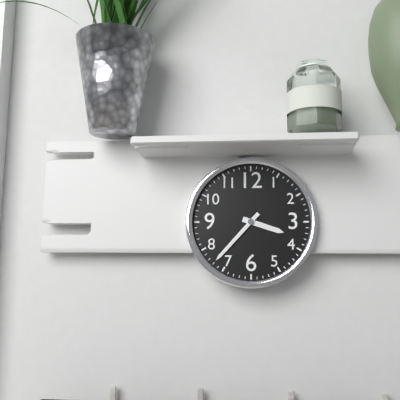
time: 3:37
